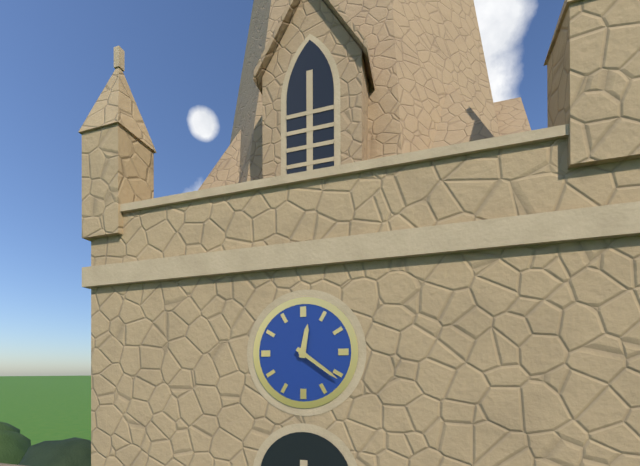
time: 12:21
